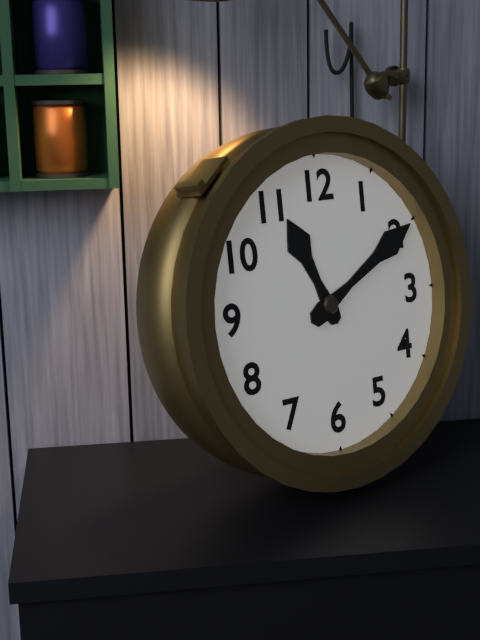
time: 11:10
